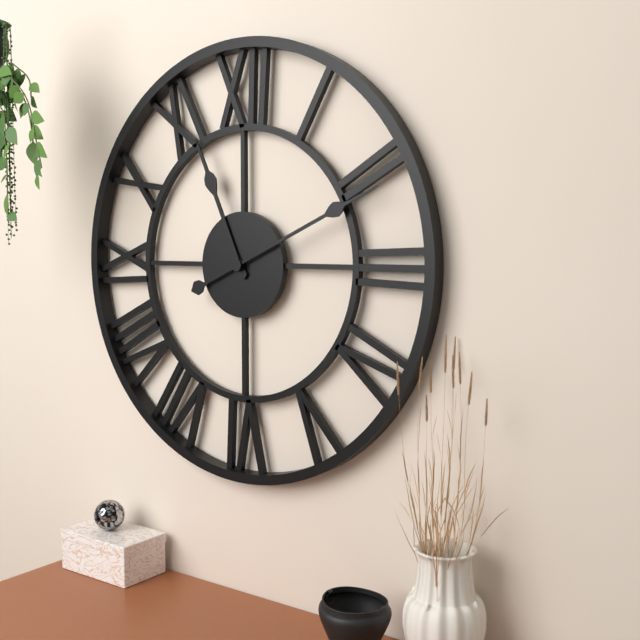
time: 11:11
